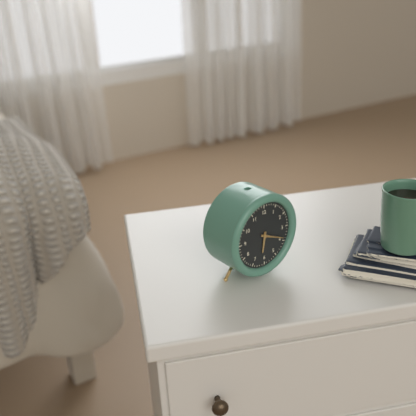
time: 6:19
